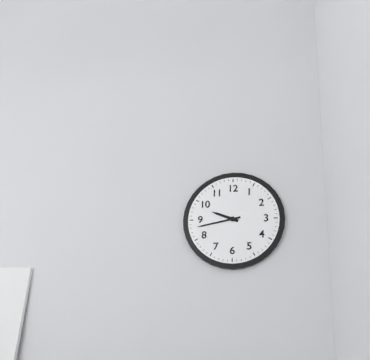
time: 9:43
